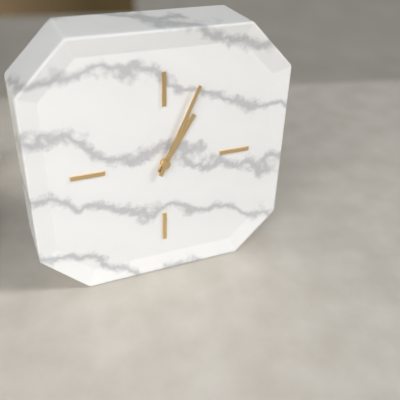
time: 1:04
